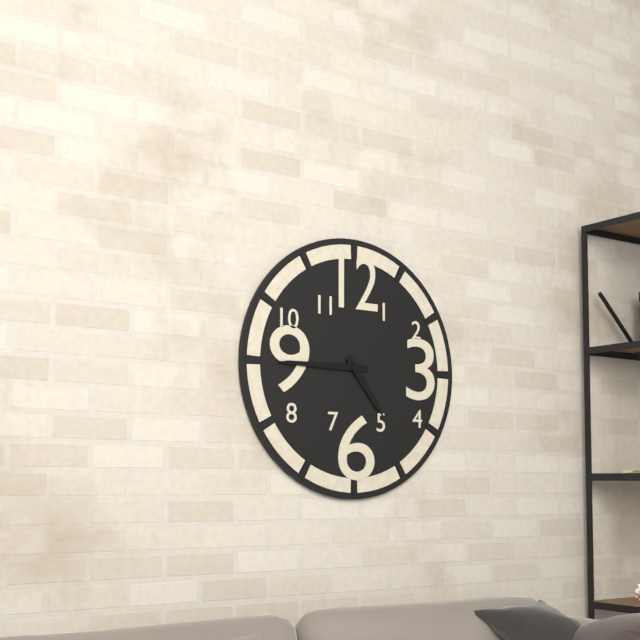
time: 4:45
